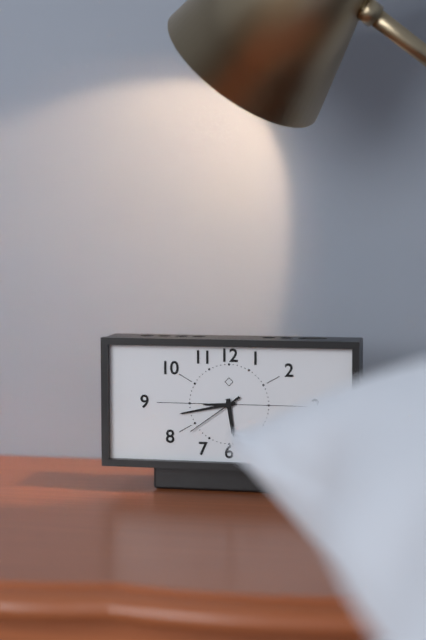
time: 5:43:39
